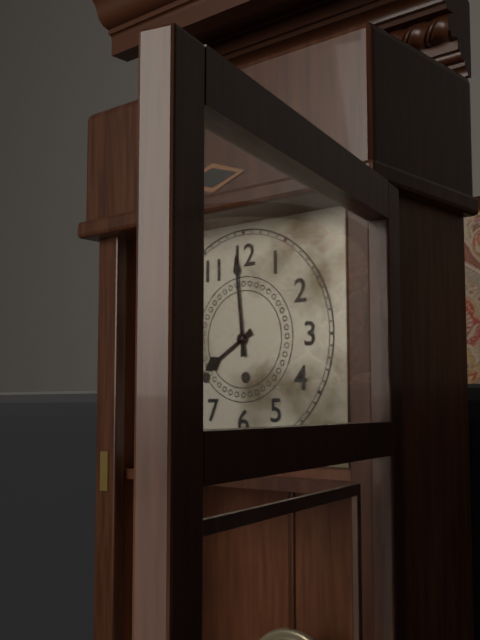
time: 7:59
